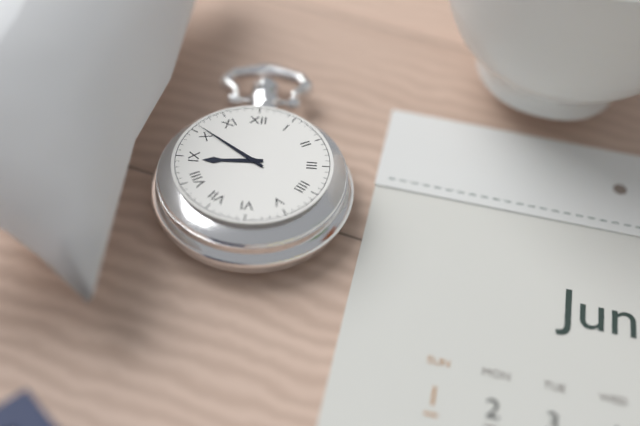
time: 8:51
